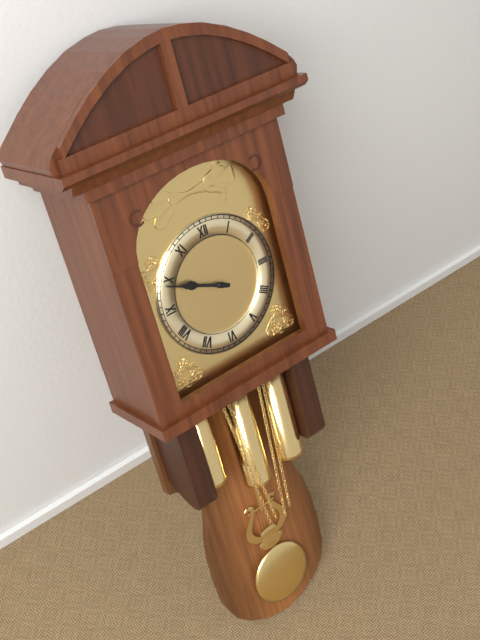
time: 9:49
